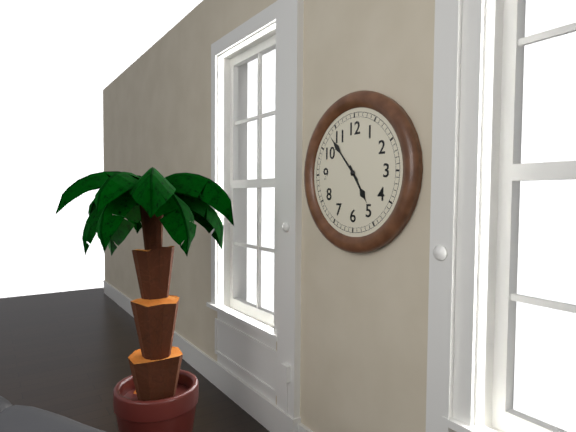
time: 4:53
